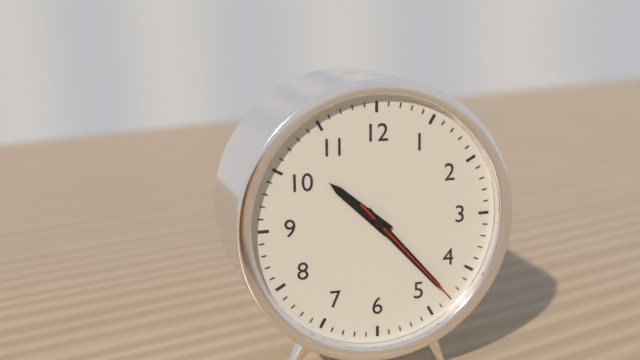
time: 10:23:23
